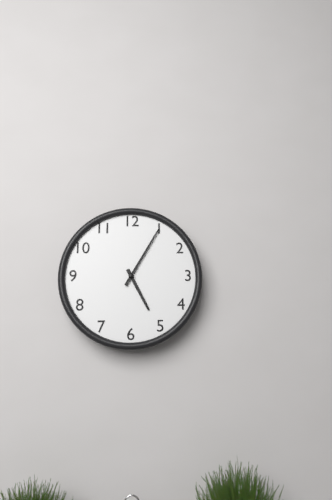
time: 5:05
